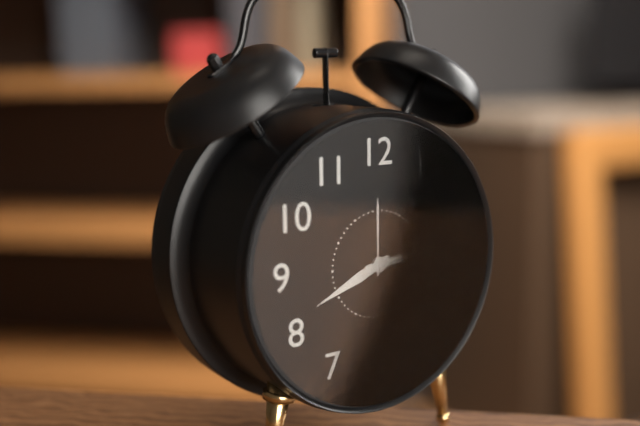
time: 8:14
